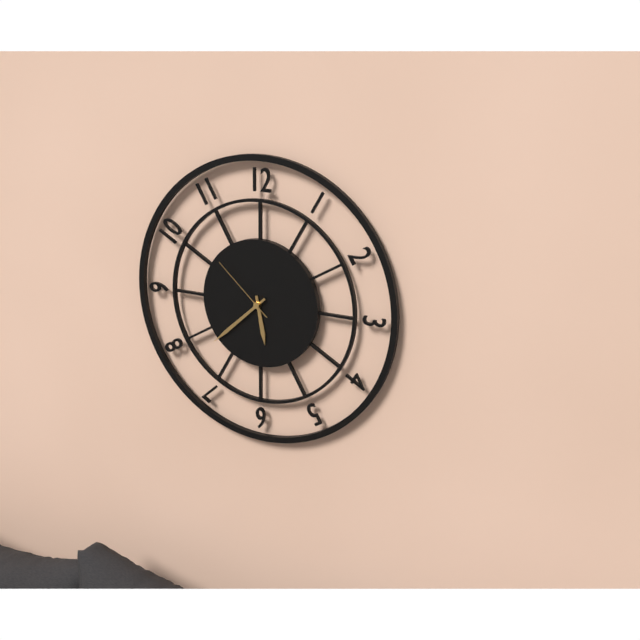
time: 5:38:52
